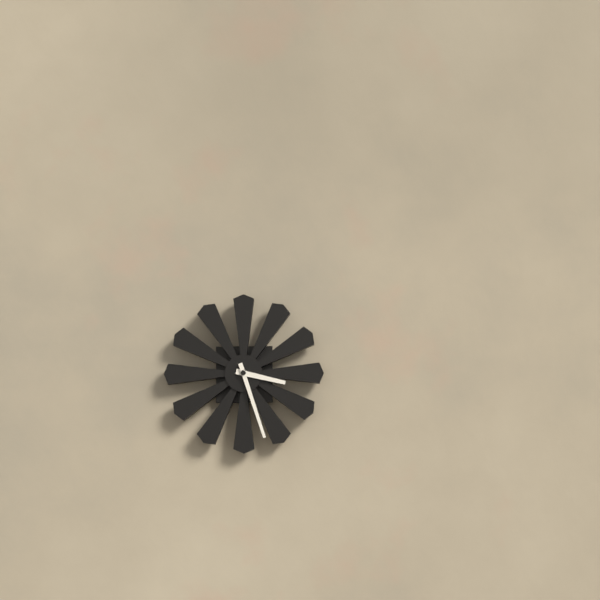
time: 3:27
